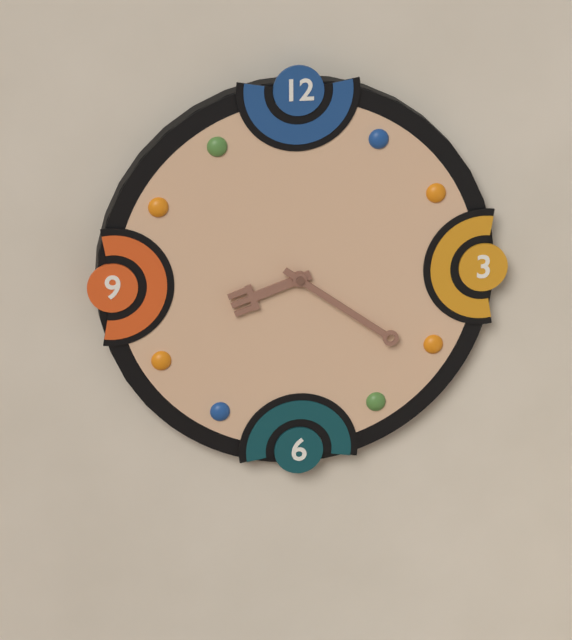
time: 8:21
